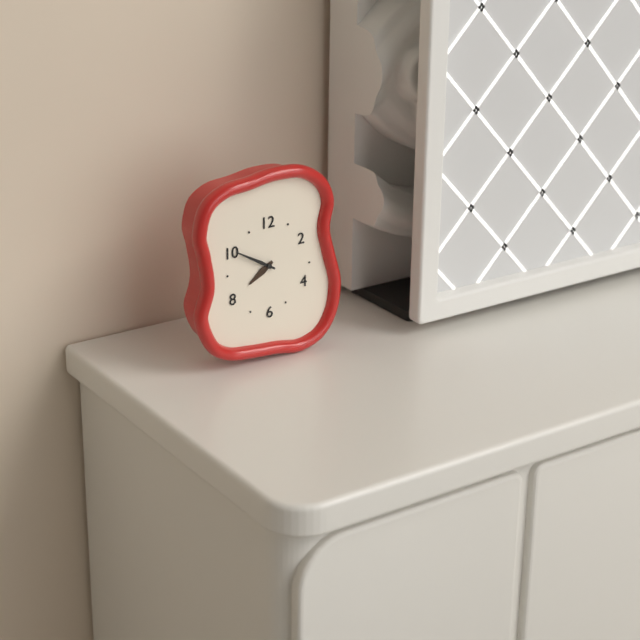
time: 7:50
